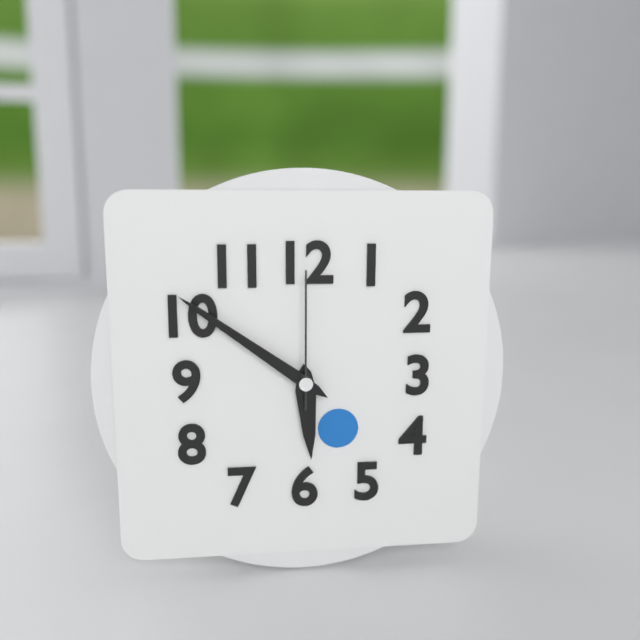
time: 5:51:00
